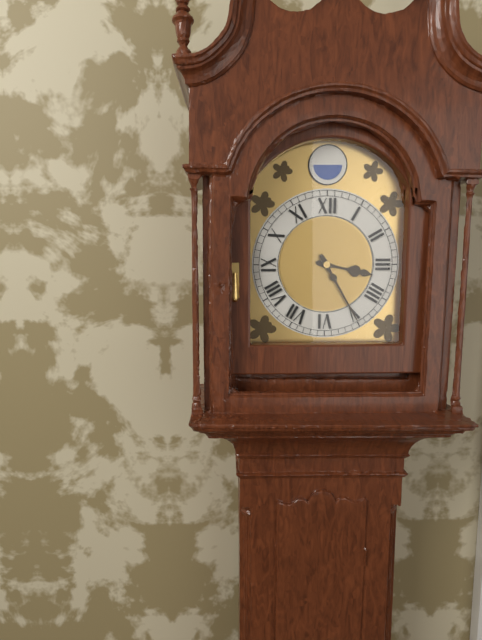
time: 3:25
